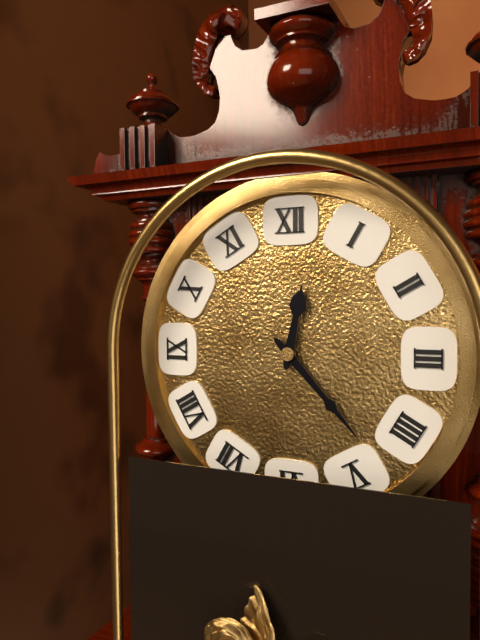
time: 12:23
